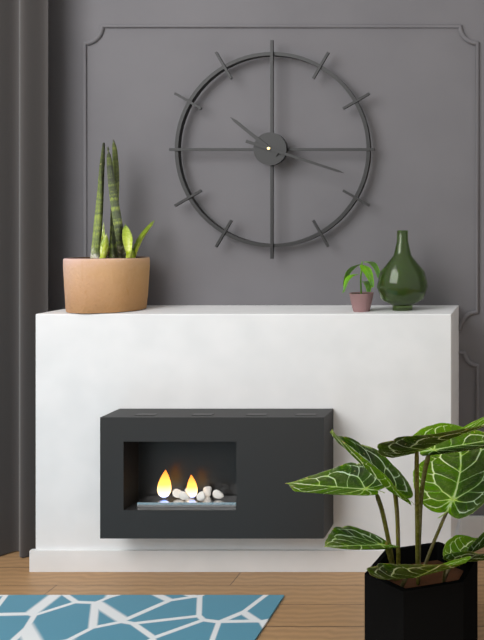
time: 10:18
